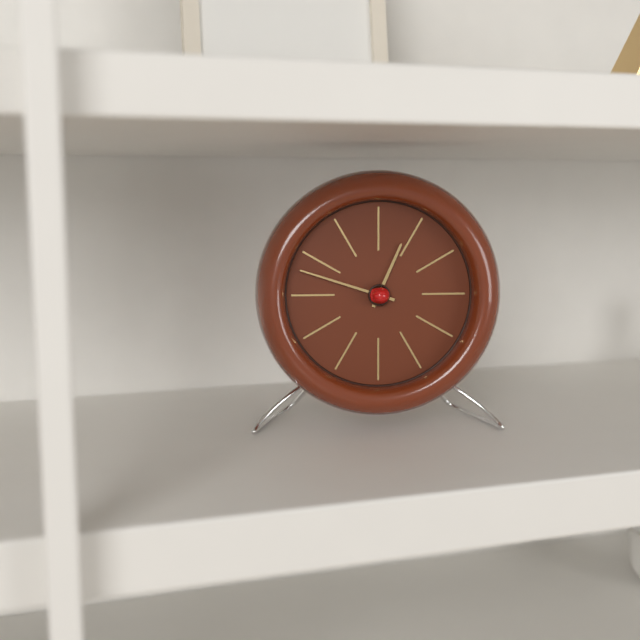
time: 12:48
